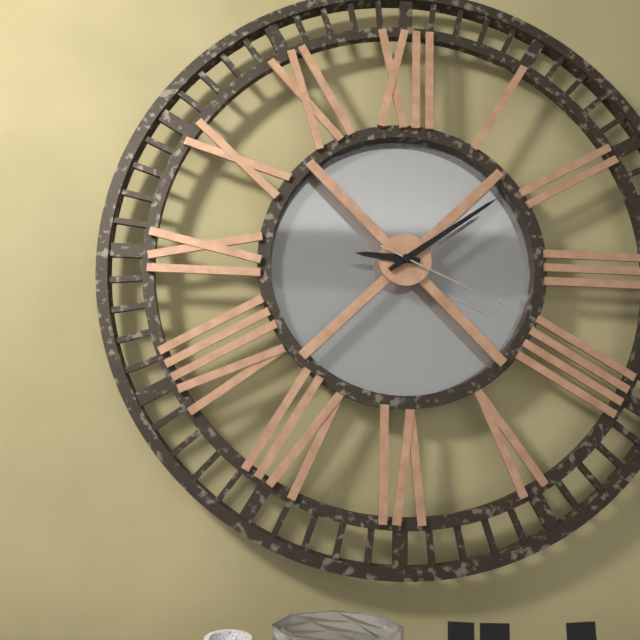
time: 9:09:19
